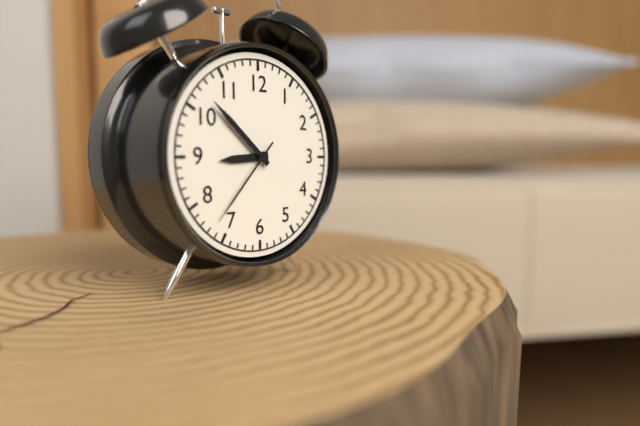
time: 8:52:37
